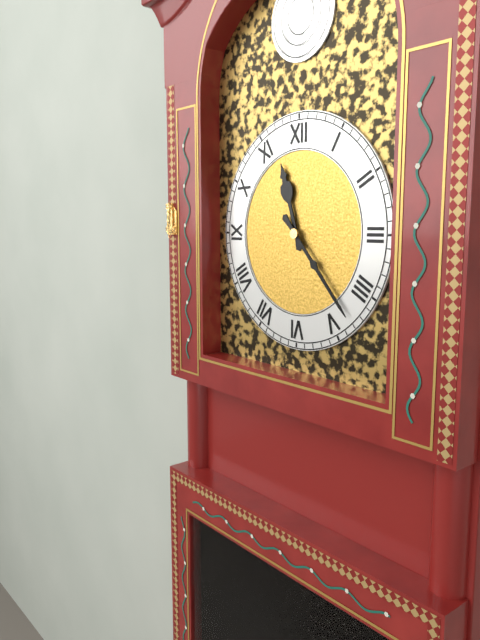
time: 11:23
